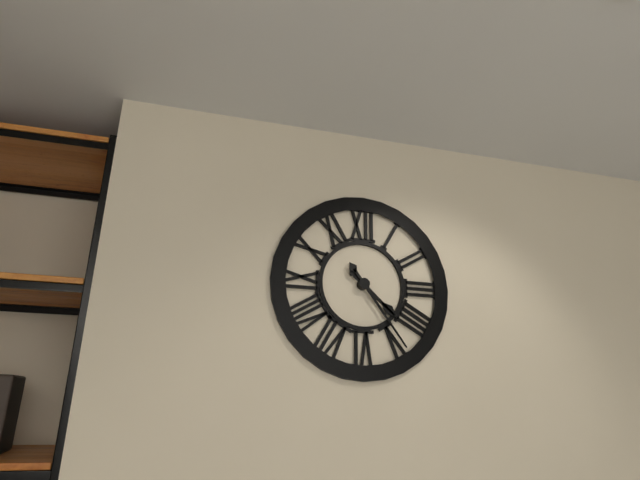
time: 4:24
